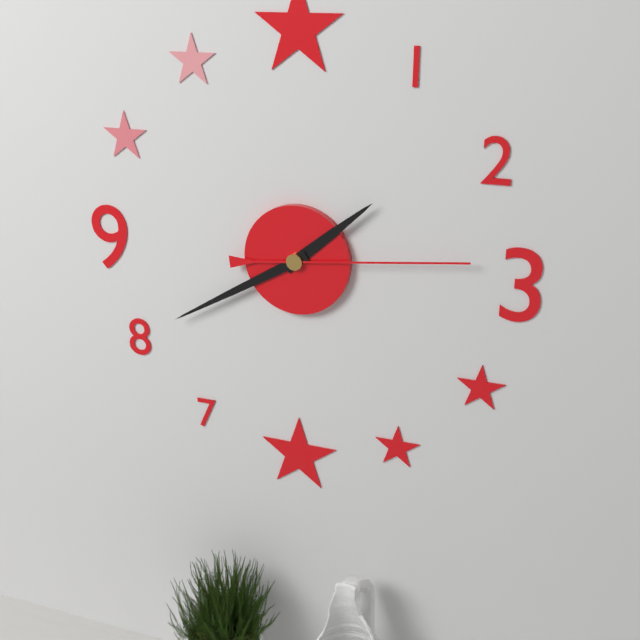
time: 1:40:14
